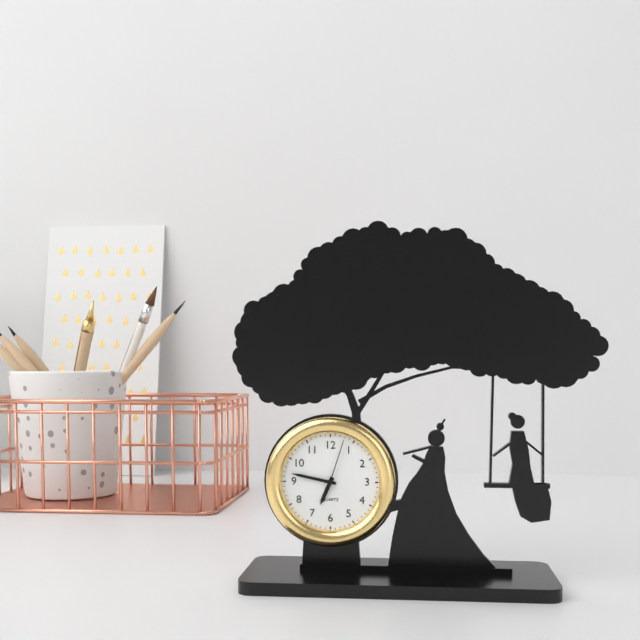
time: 6:47:03
